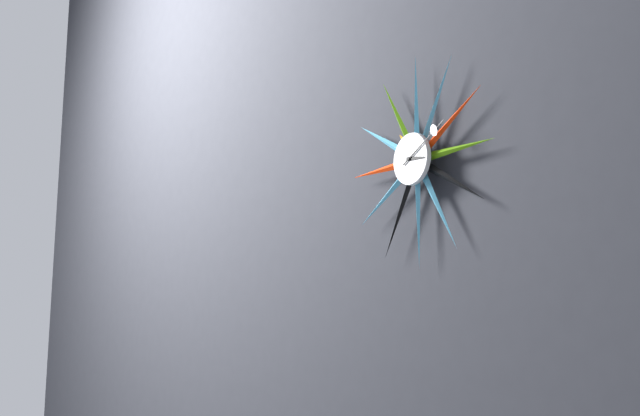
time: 3:10
